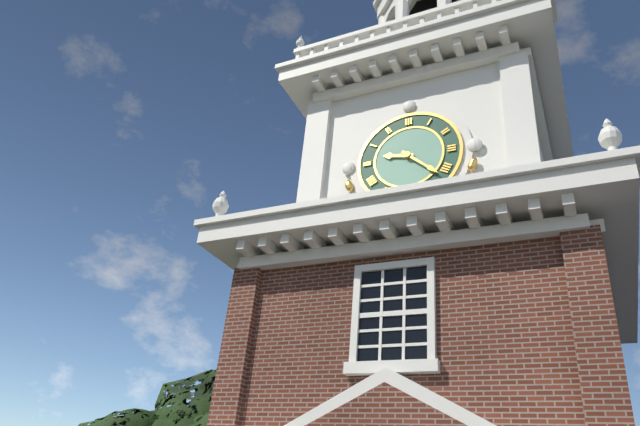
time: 9:22
